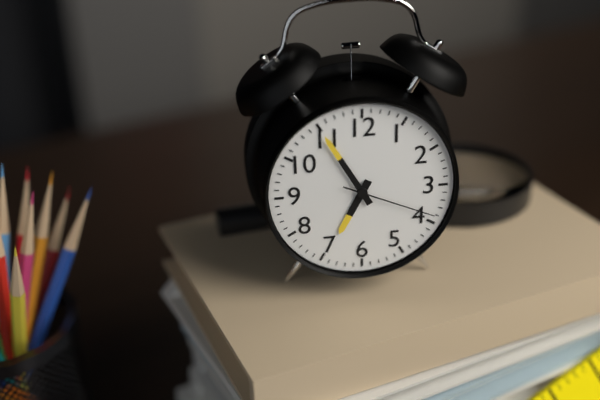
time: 6:55:19
